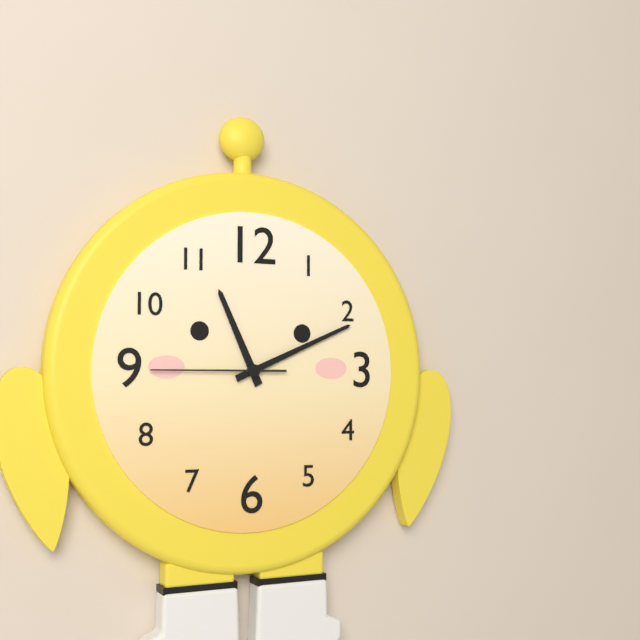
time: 11:11:45
